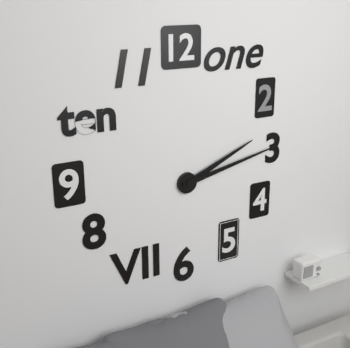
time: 2:13
